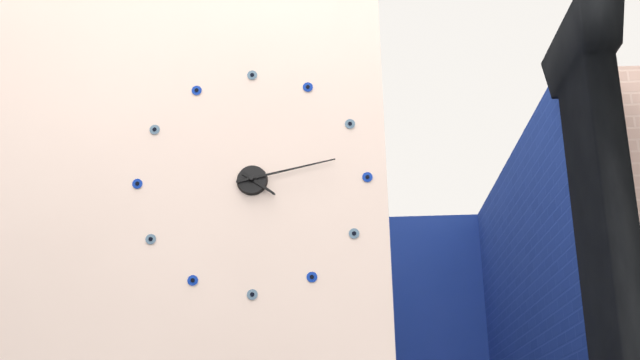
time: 4:13
